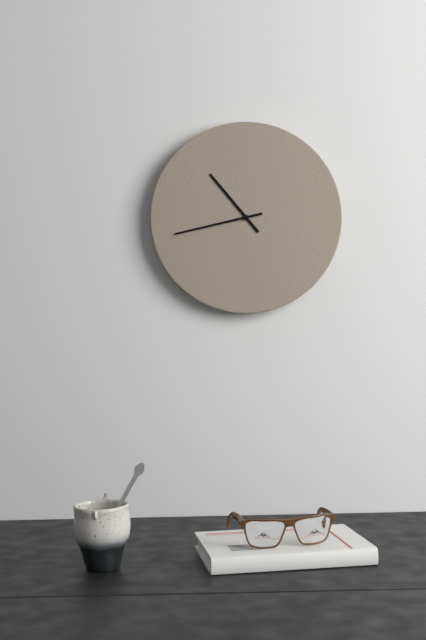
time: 10:43
